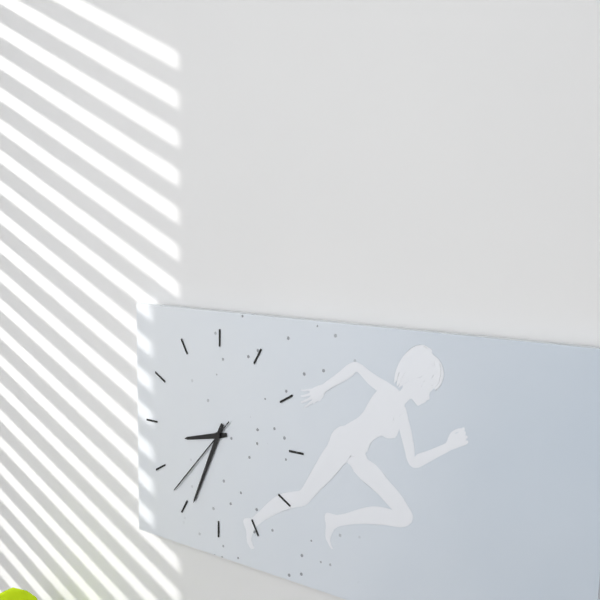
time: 8:34:37
